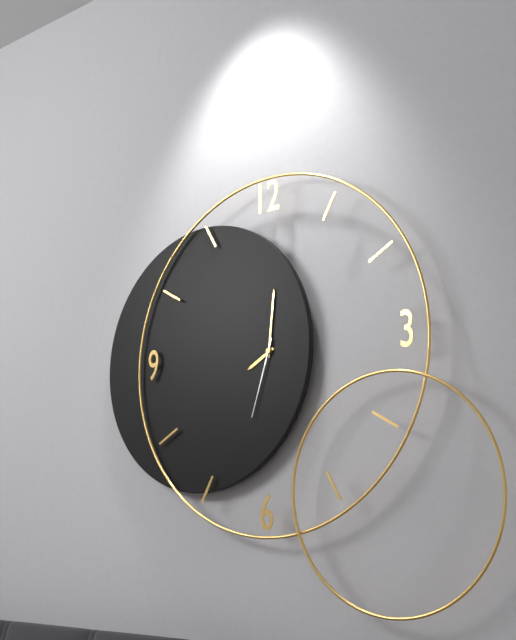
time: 8:01:33
